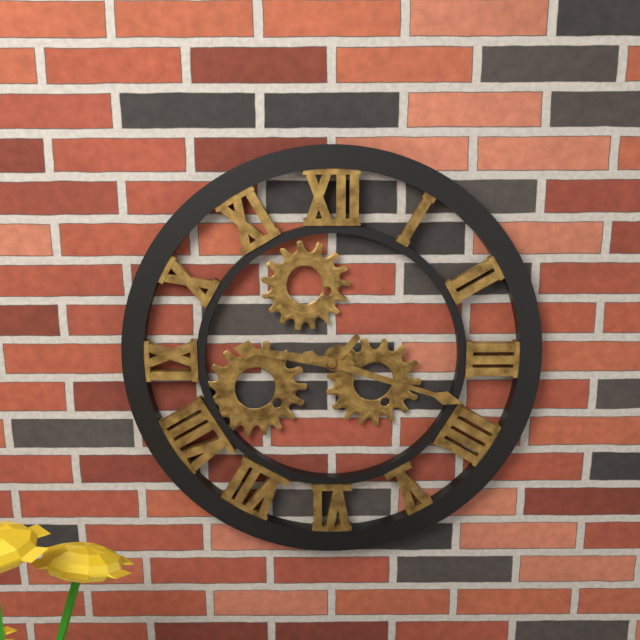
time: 9:18
